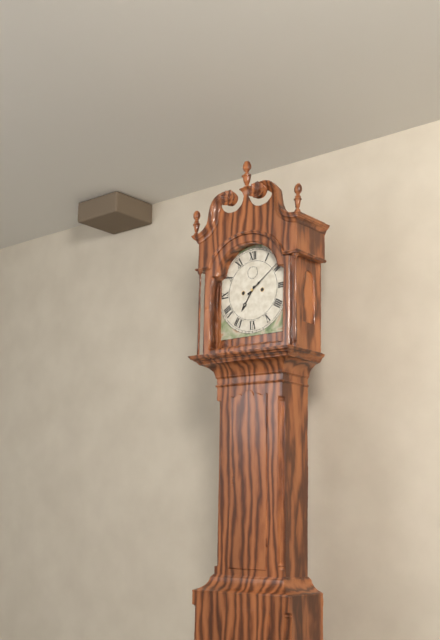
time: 7:09
